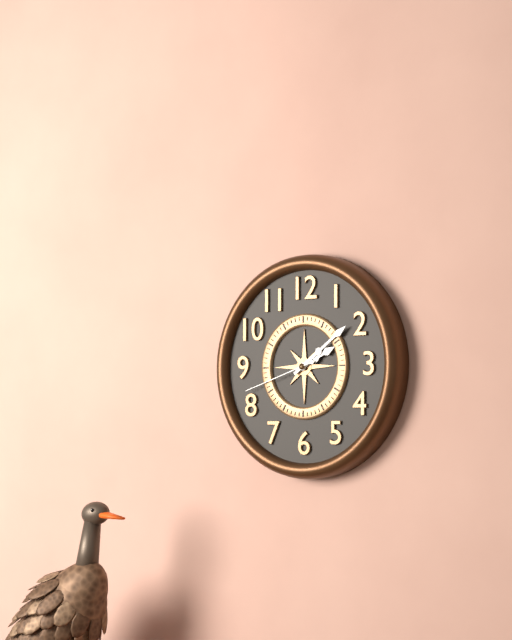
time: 2:09:42
